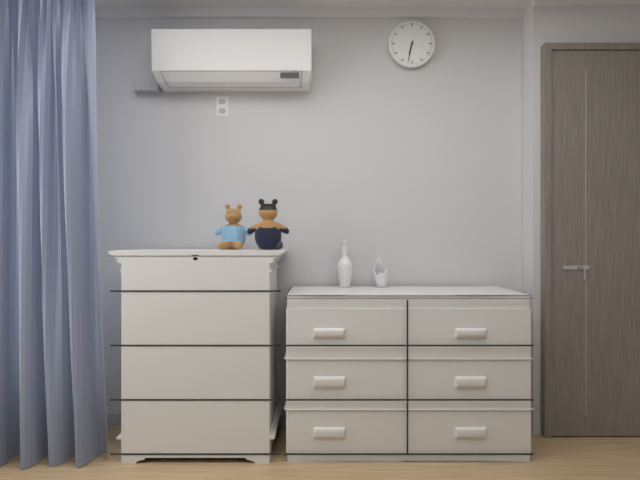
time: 6:32
